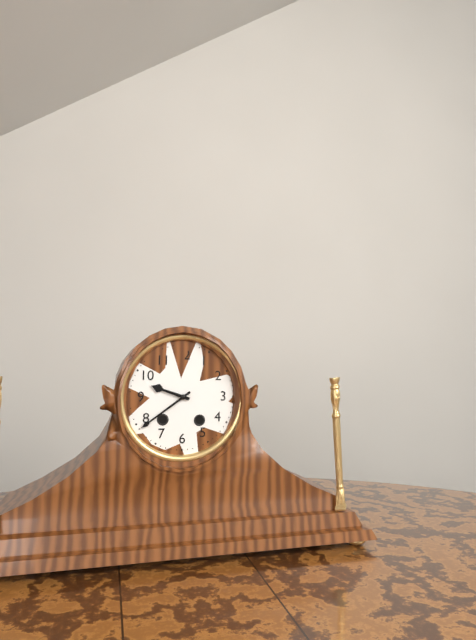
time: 9:39
